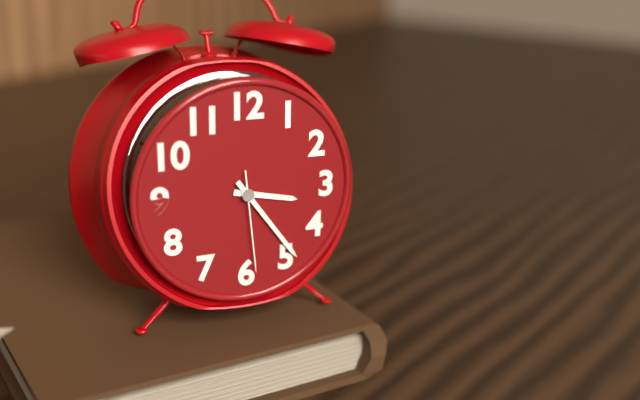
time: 3:24:29
